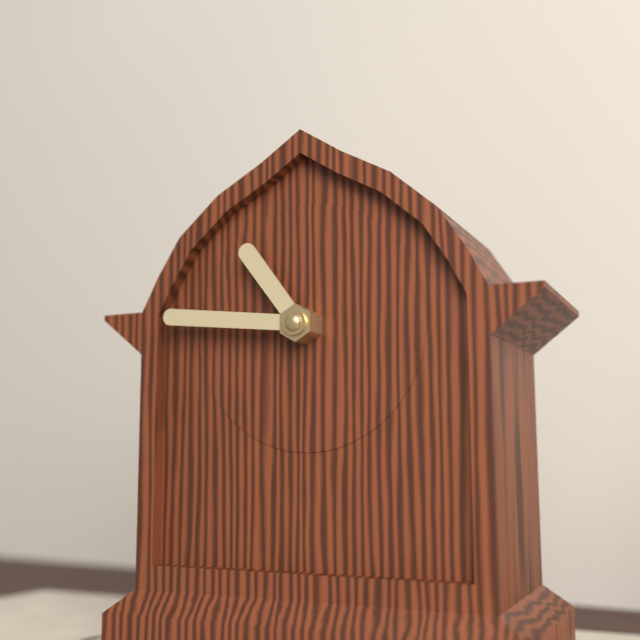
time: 10:46
